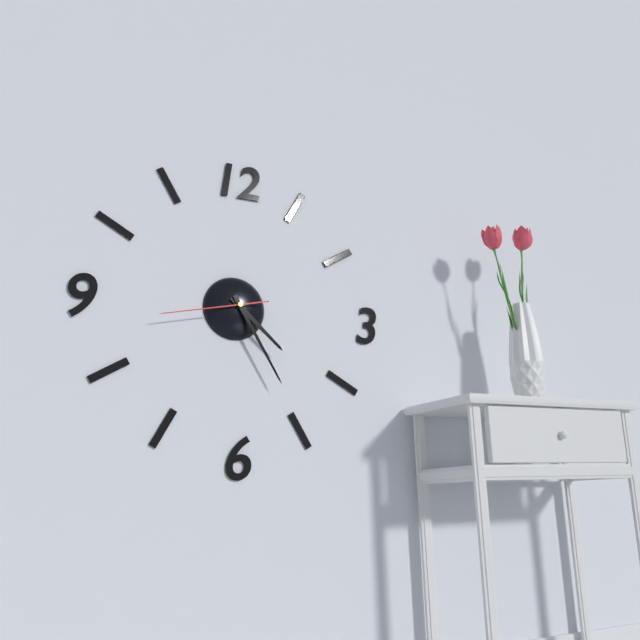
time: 4:25:43
